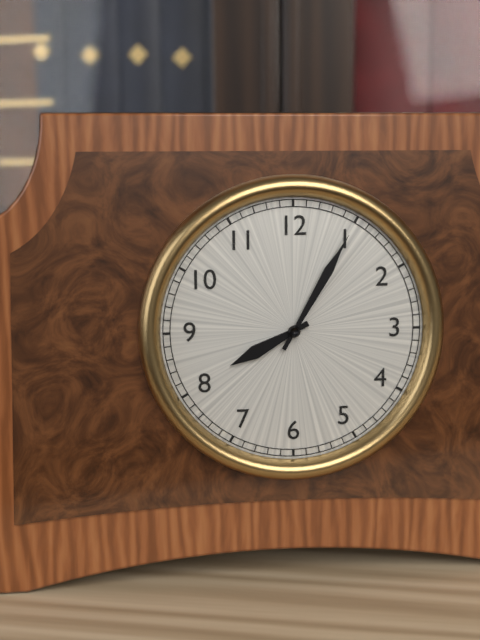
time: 8:05
